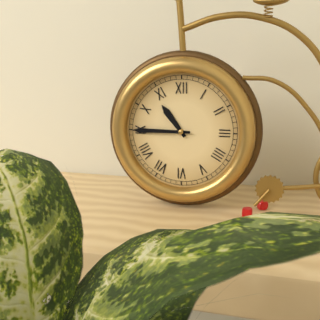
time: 10:45
